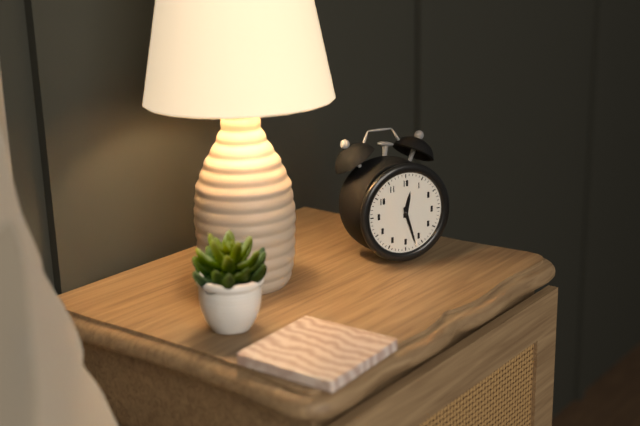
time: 12:27
